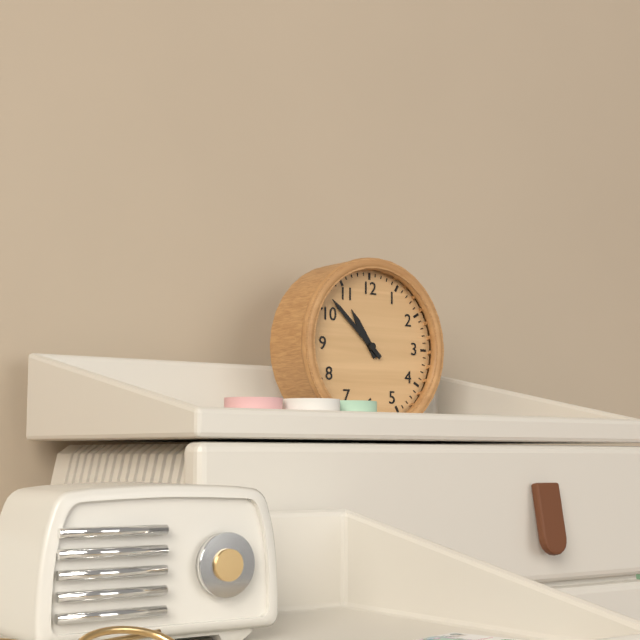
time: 10:52
